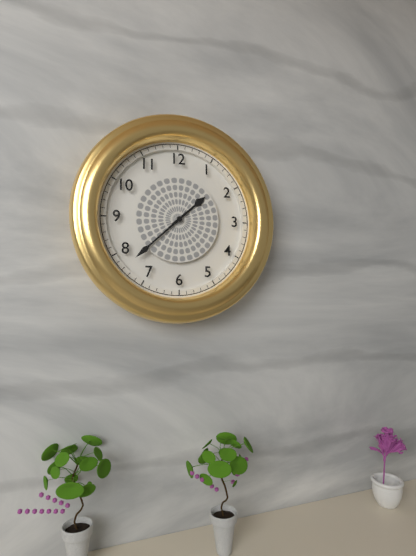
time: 1:38
